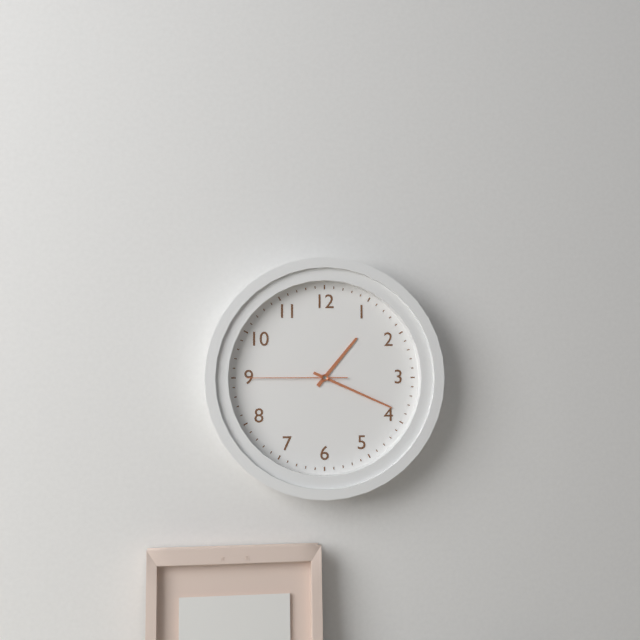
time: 1:19:45
